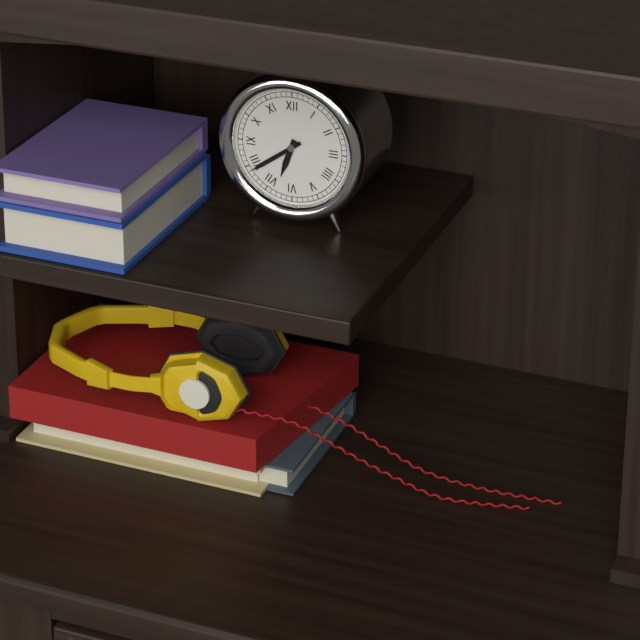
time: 6:39
